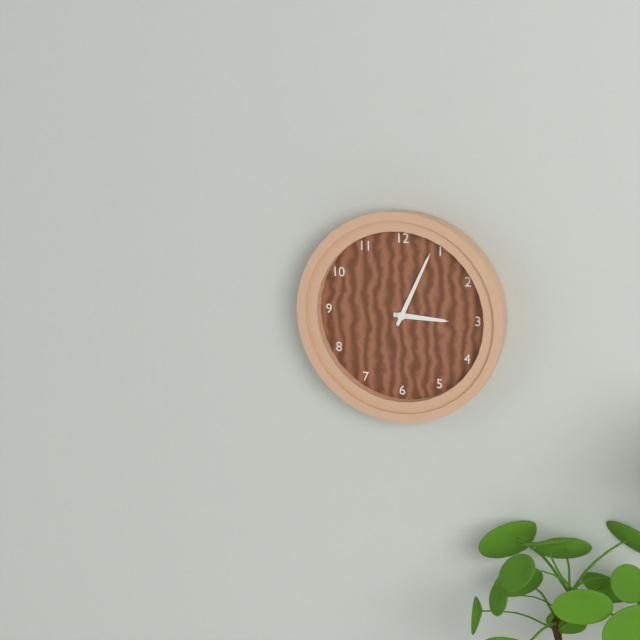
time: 3:04
